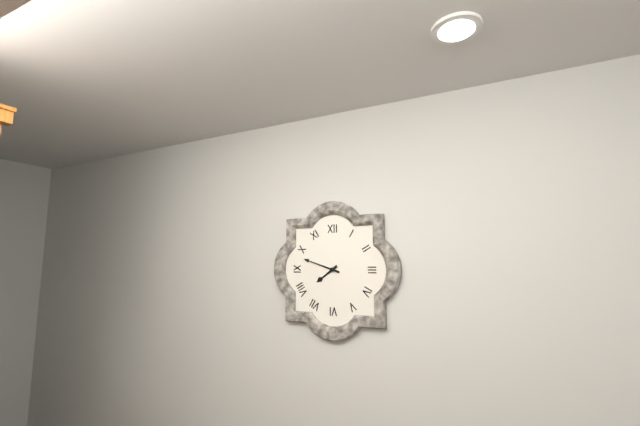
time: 7:48
